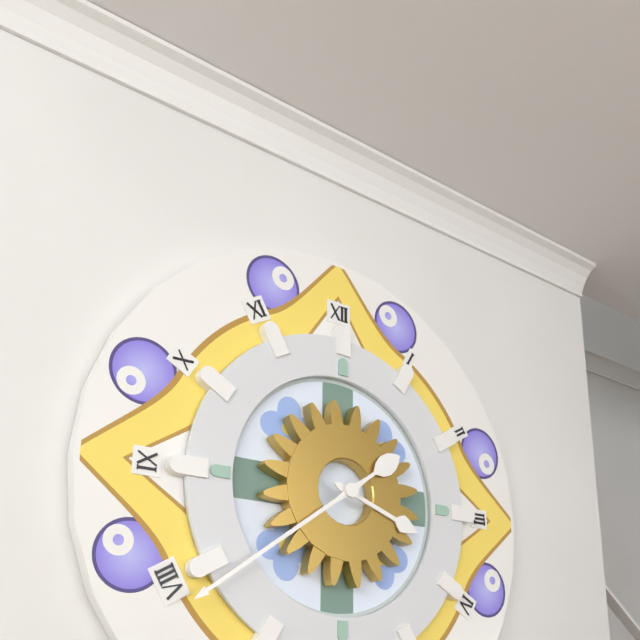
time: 3:39
